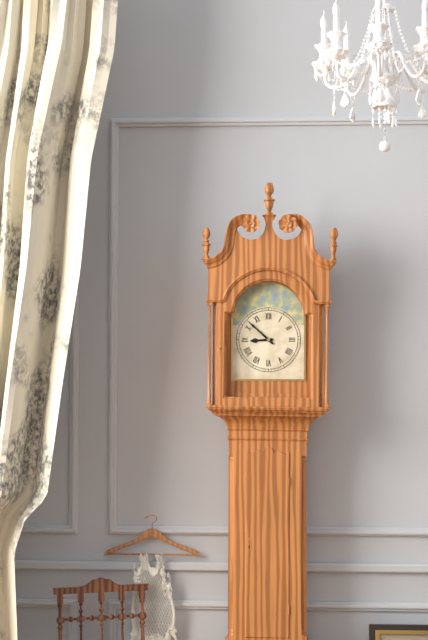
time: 8:52
